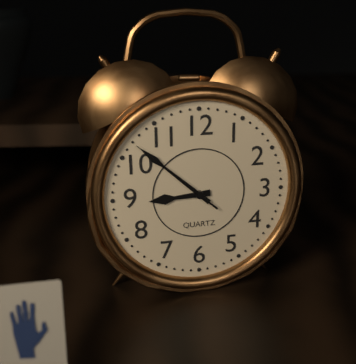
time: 8:52:52
